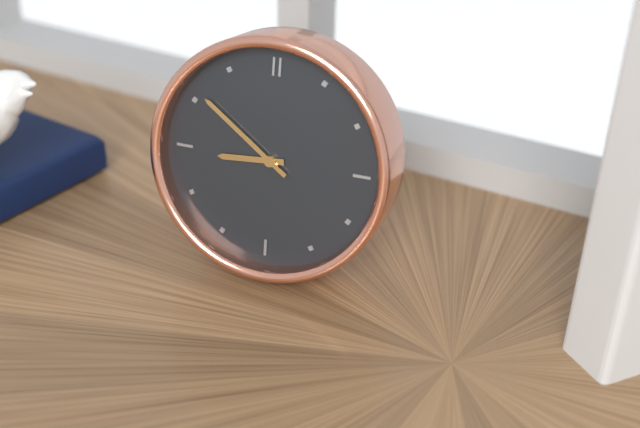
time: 8:51
